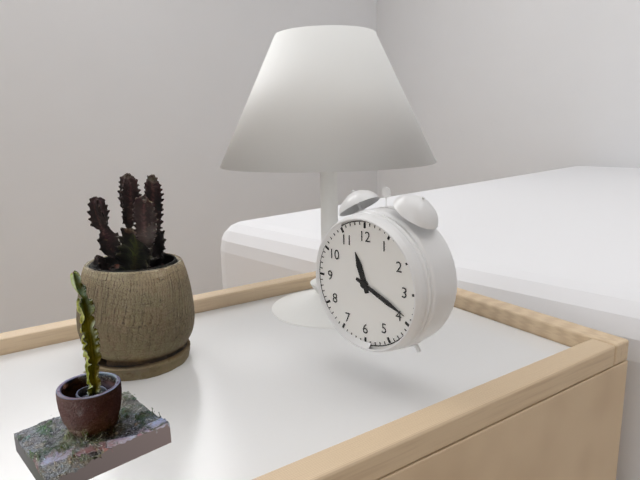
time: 11:19
